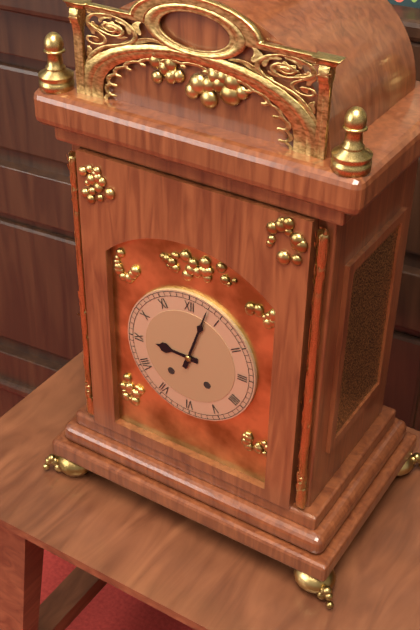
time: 9:03
